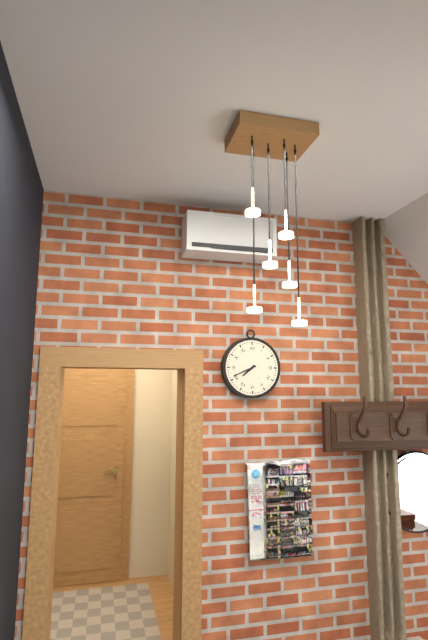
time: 7:41
